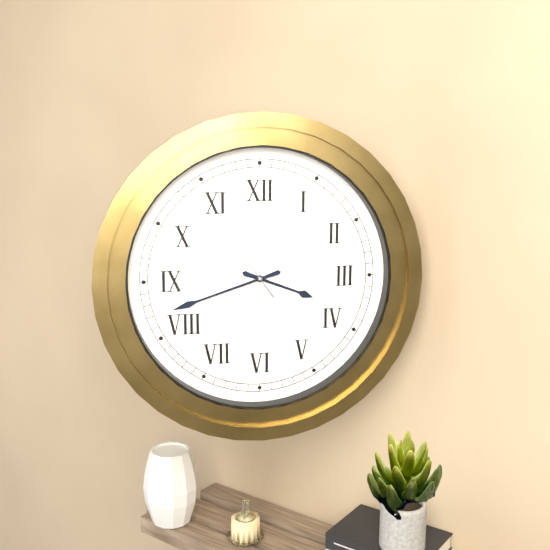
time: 3:42:54
